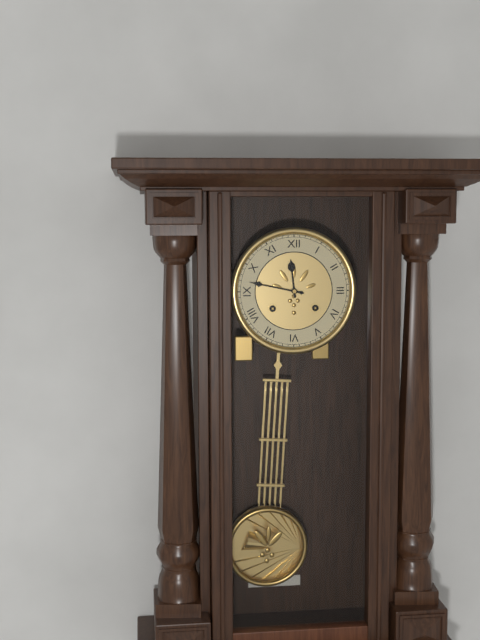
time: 11:47
